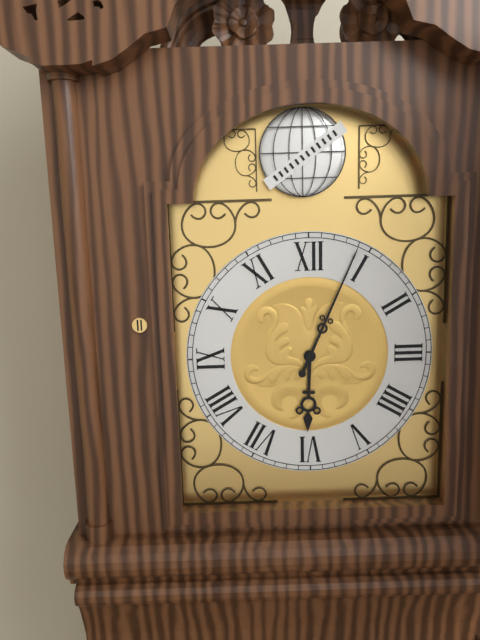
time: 6:04
